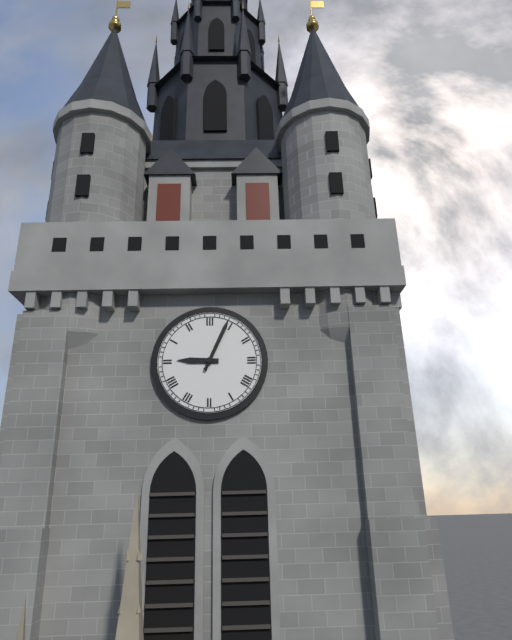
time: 9:04
